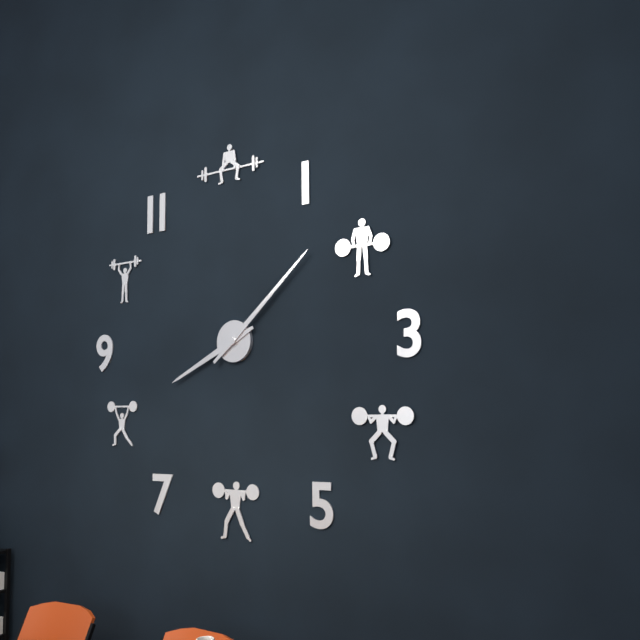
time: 8:08
